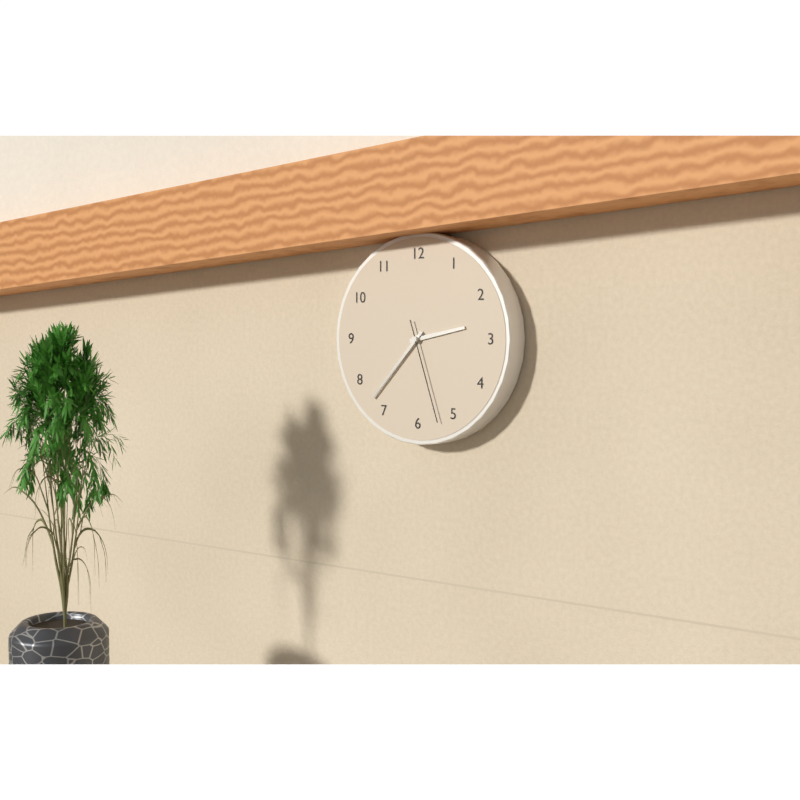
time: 2:37:27
